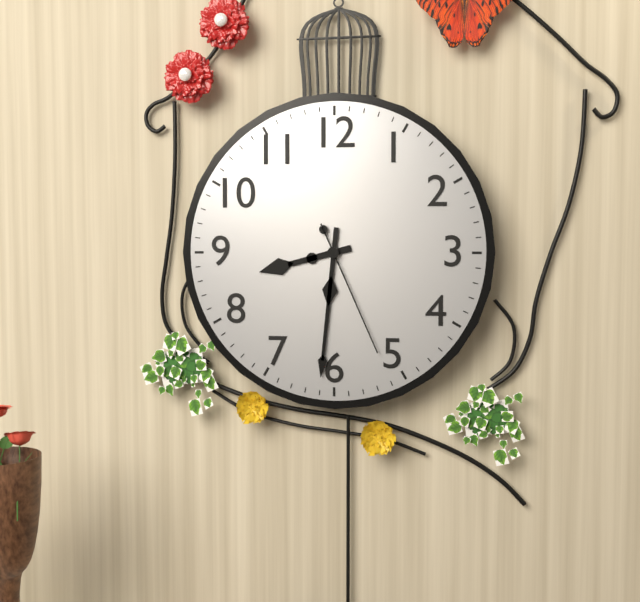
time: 8:31:26
